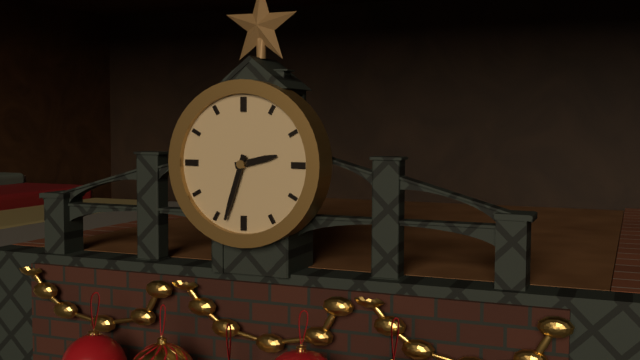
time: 2:33
